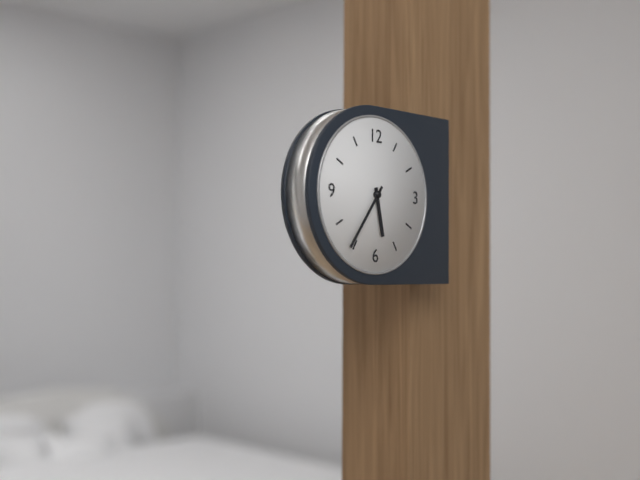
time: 5:36
